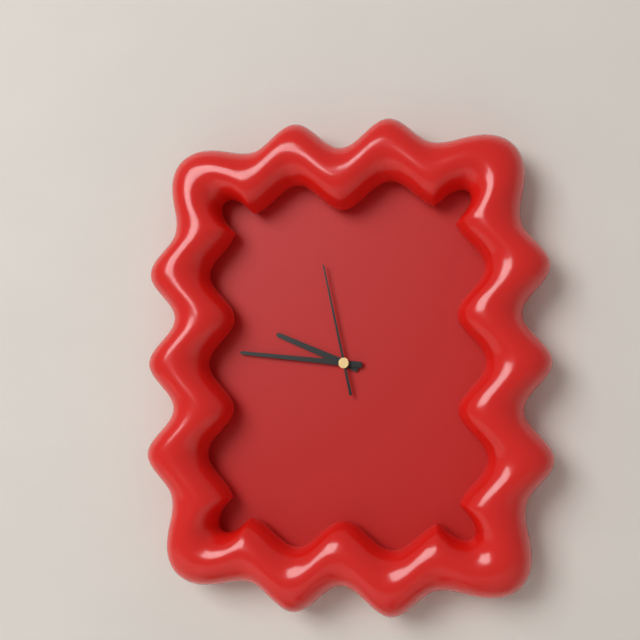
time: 9:46:58
